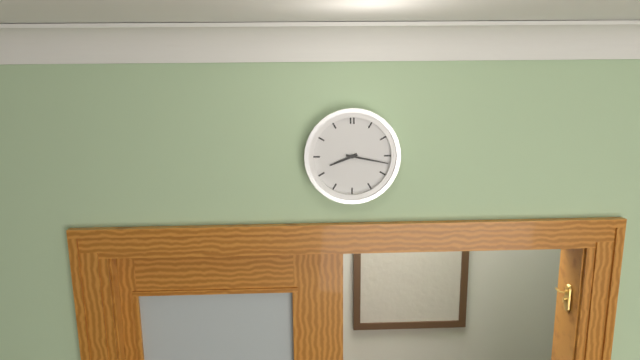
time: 8:17
